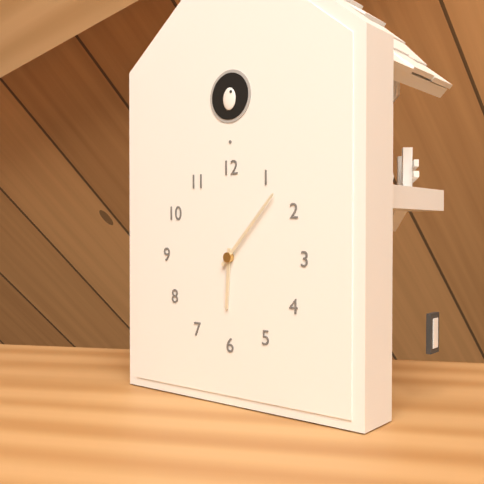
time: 6:07
